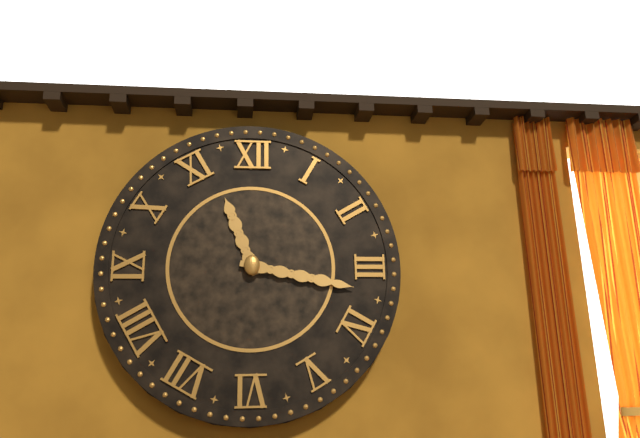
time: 11:17
